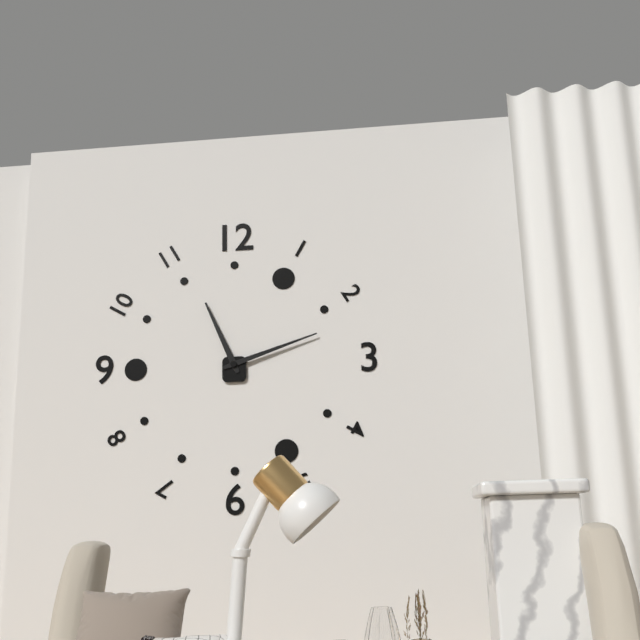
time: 11:12
